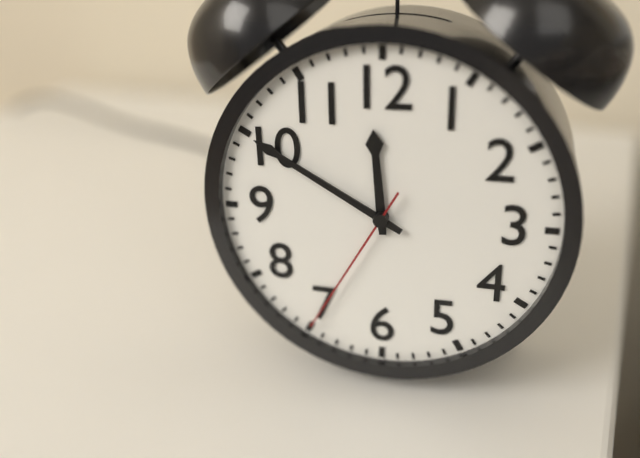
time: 11:50:35
